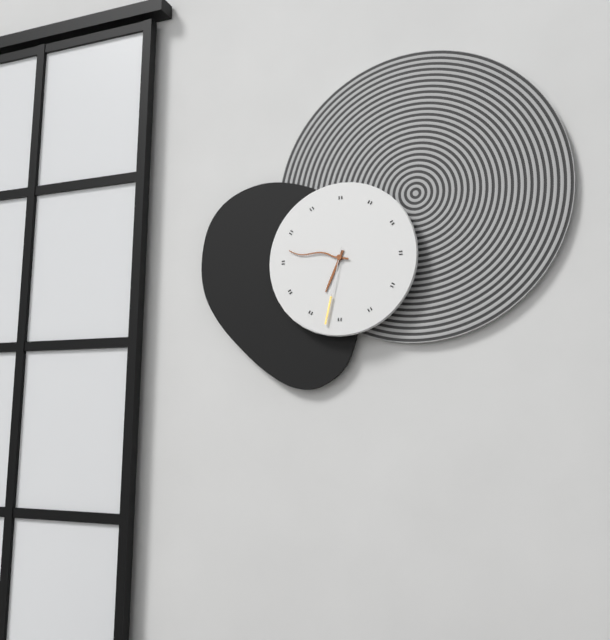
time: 6:47:32
